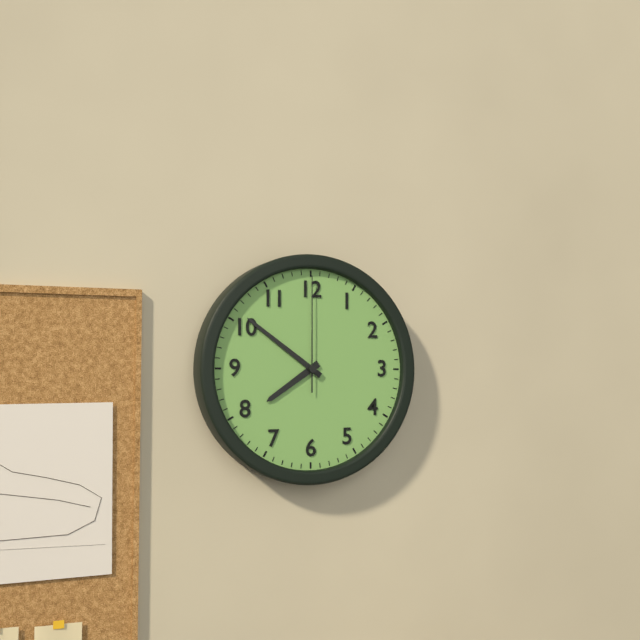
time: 7:51:00
